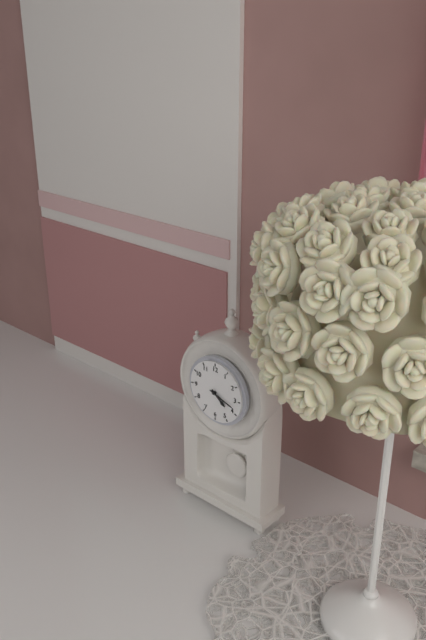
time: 4:18
